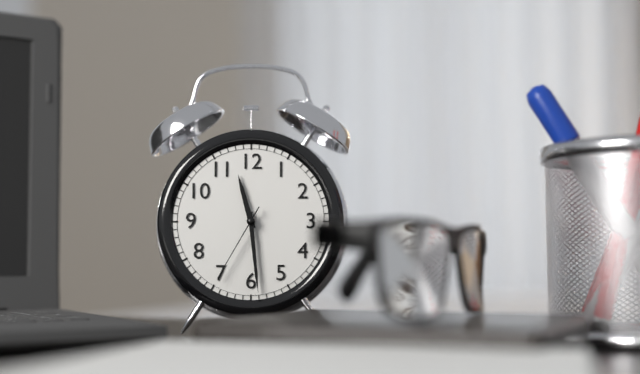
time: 11:29:35
